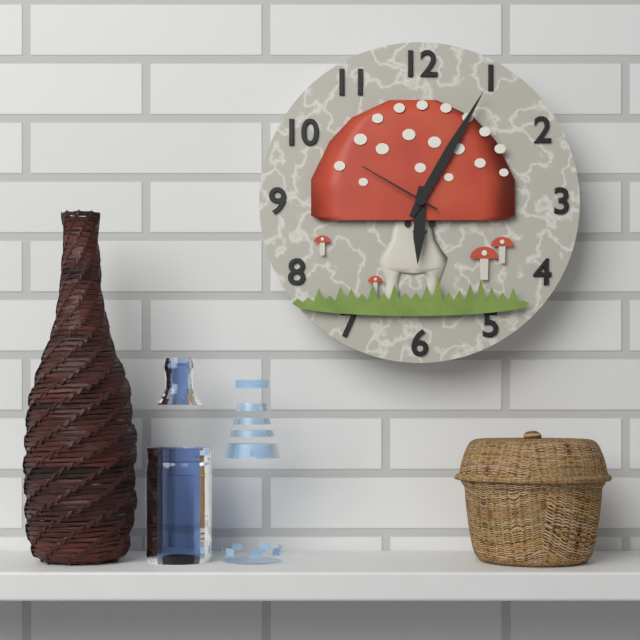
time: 6:05:50
